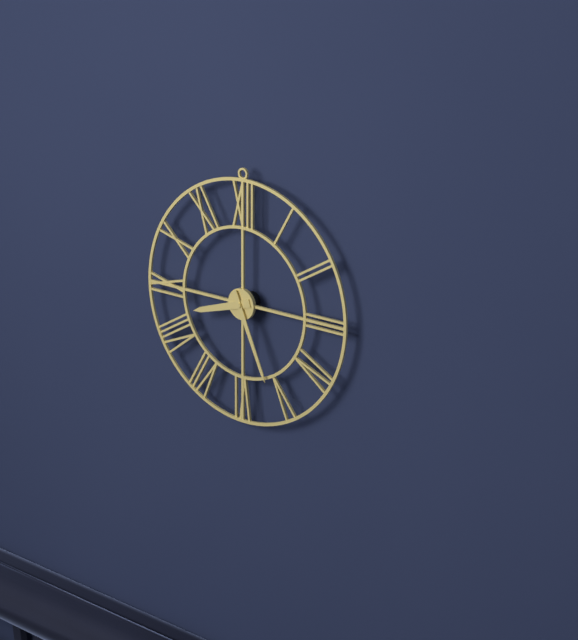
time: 8:26
